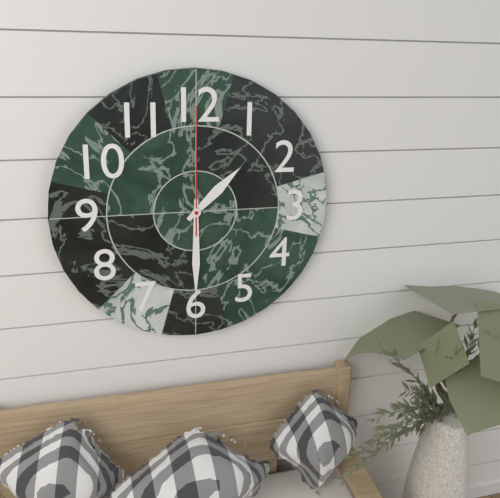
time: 1:30:00
